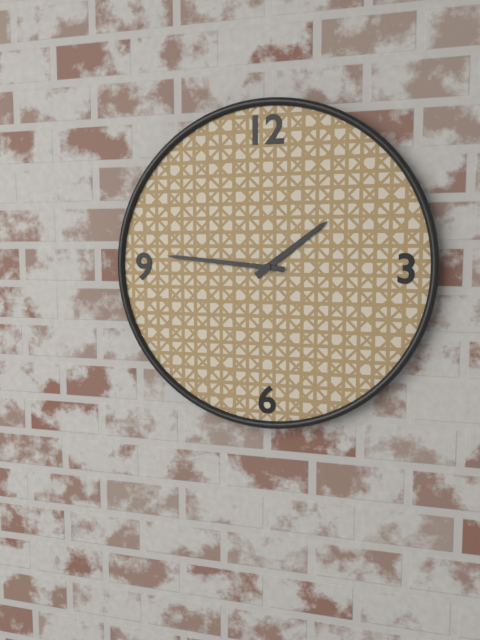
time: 1:46
